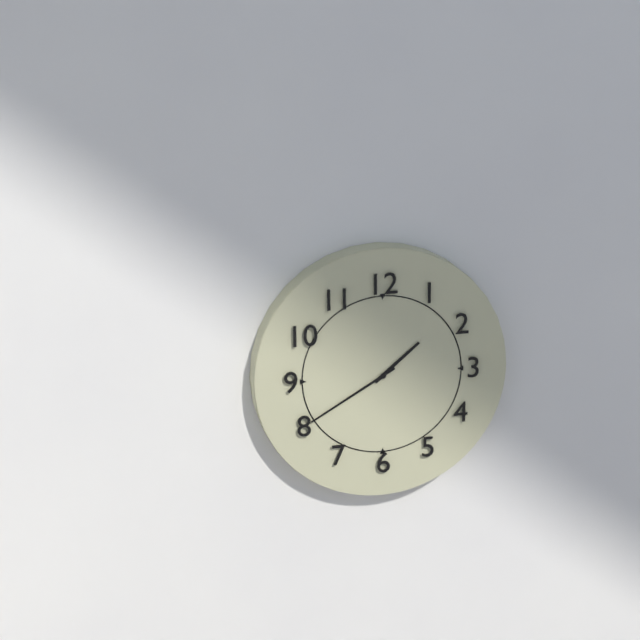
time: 1:40
